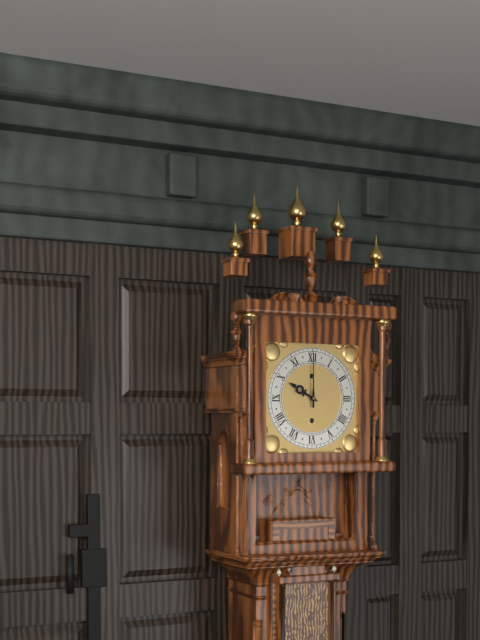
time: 10:00
